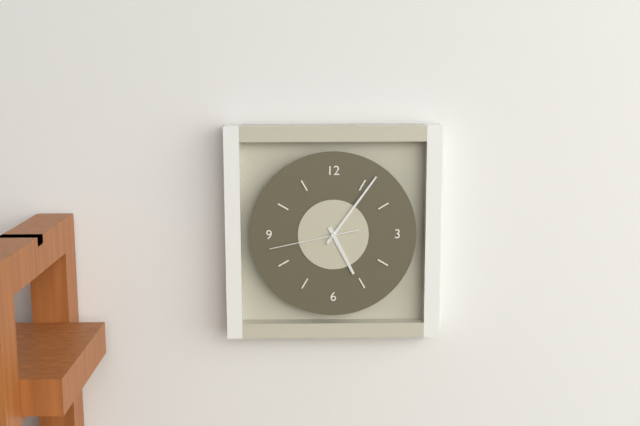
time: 5:06:43
